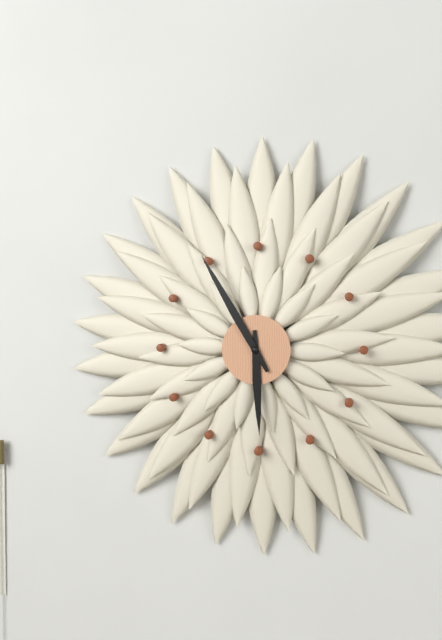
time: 5:55
